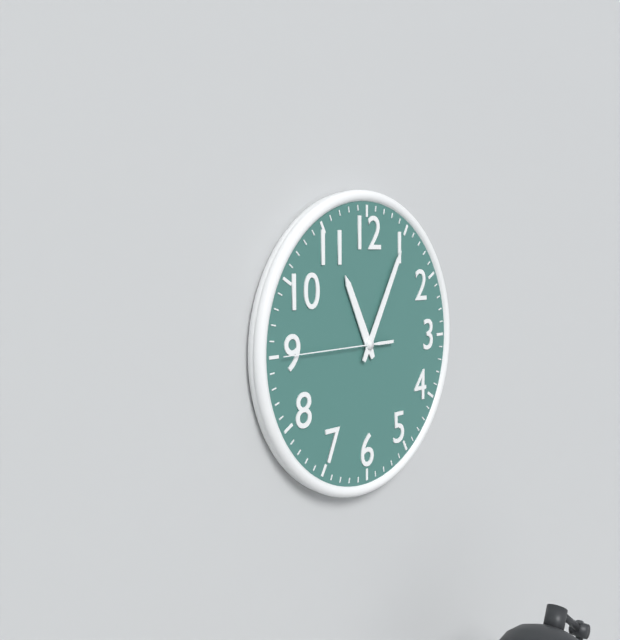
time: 11:05:45
